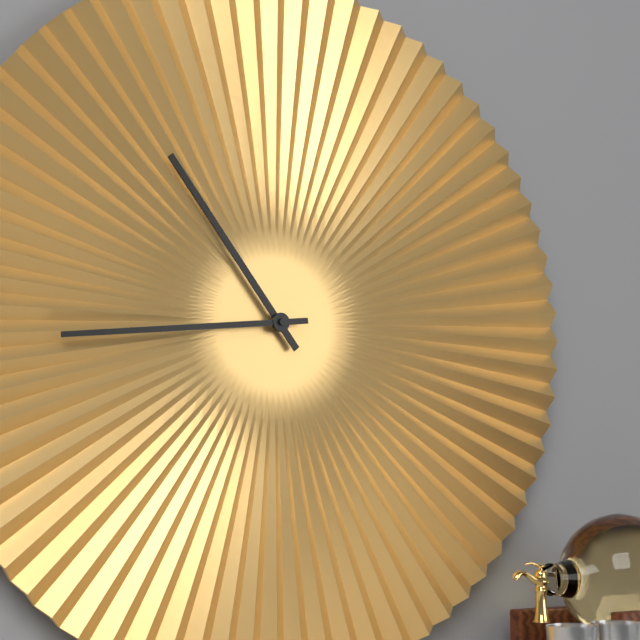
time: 10:44
